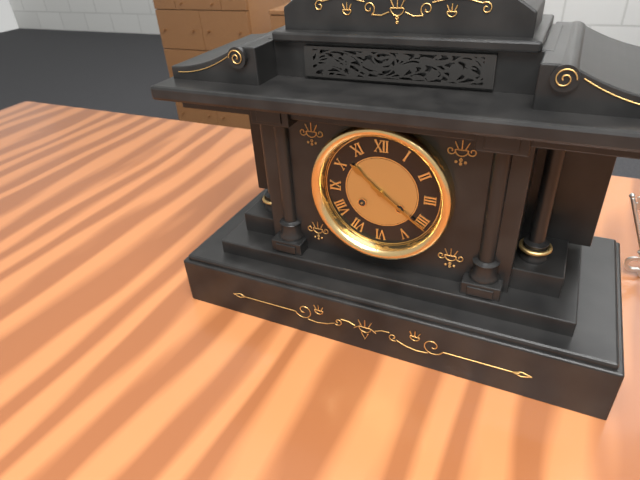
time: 10:21
